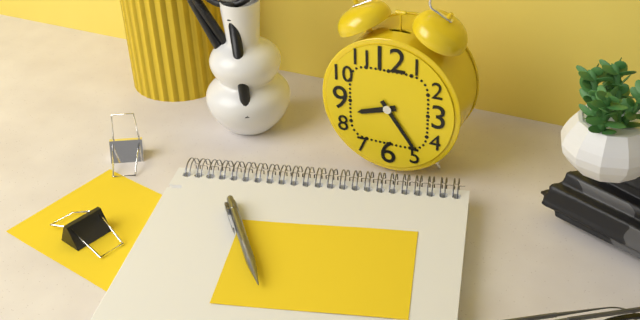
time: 8:24
